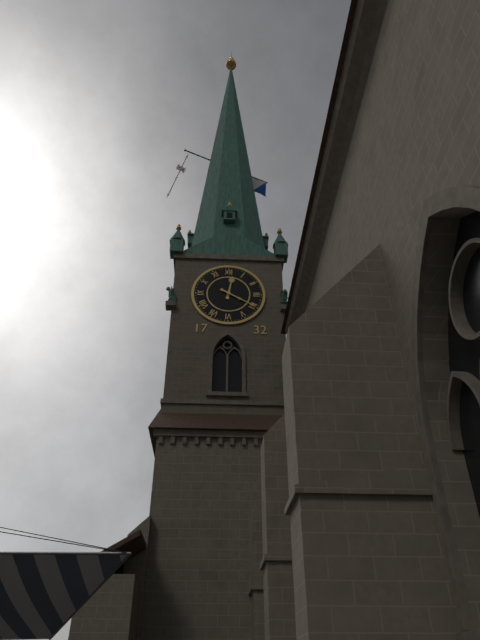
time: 12:20
